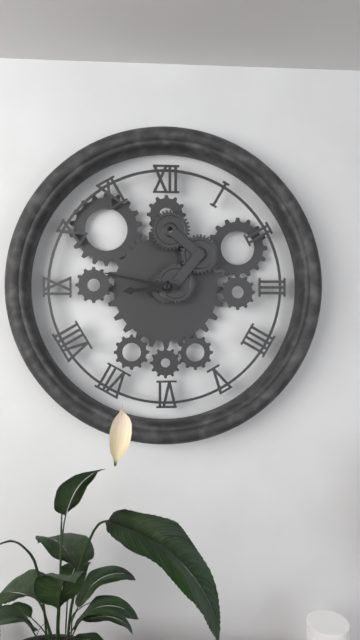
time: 8:47
